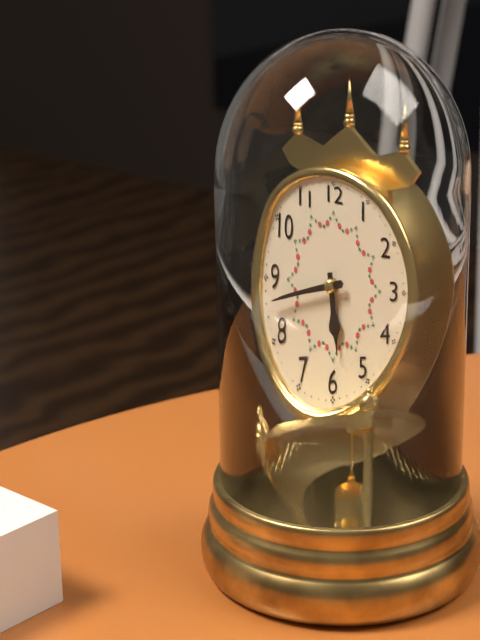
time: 5:43
